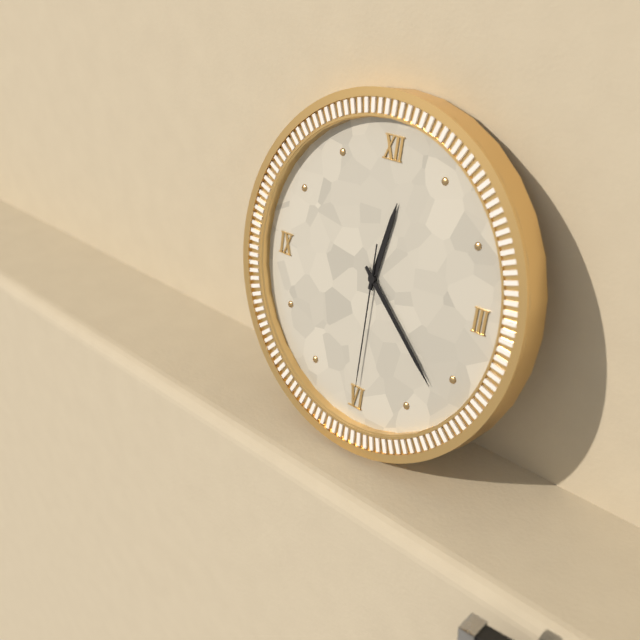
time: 12:22:30
